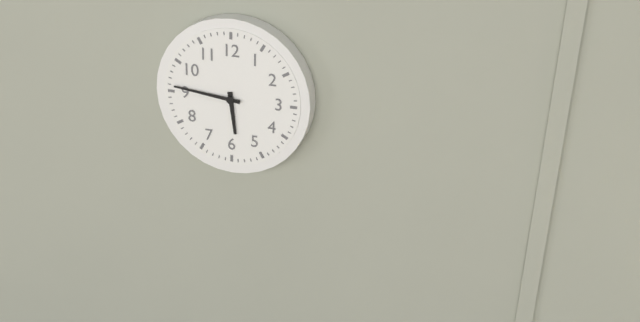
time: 5:46
